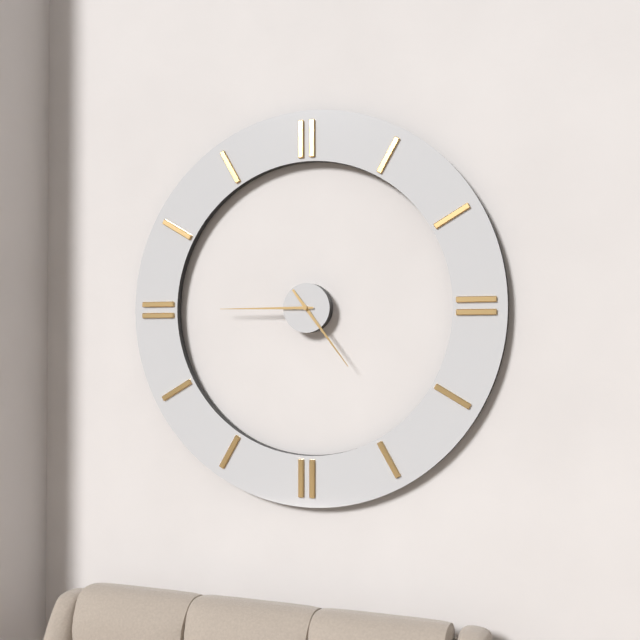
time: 4:45
